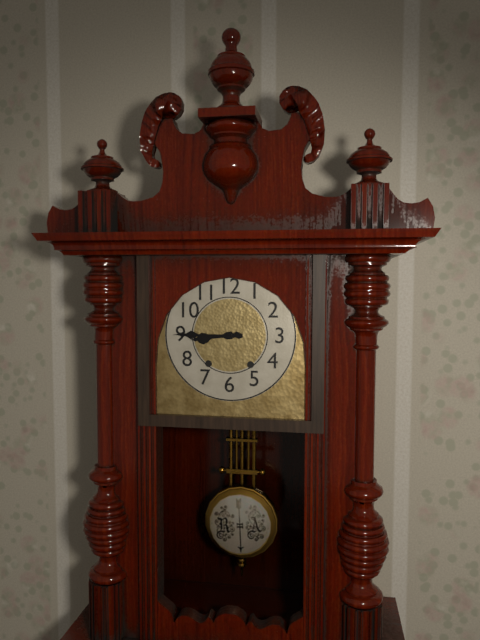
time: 8:45
